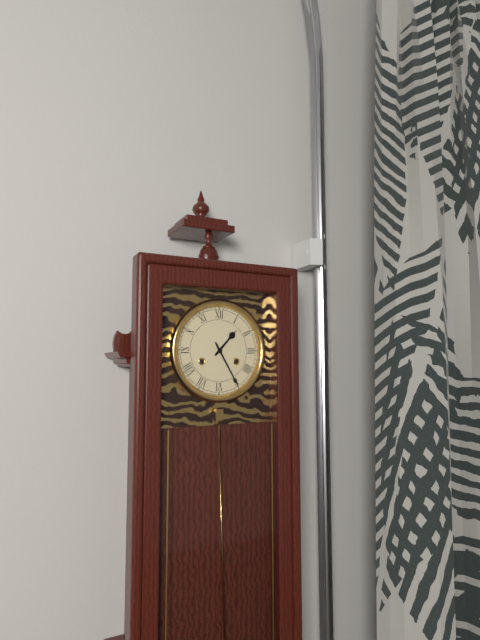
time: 1:25
